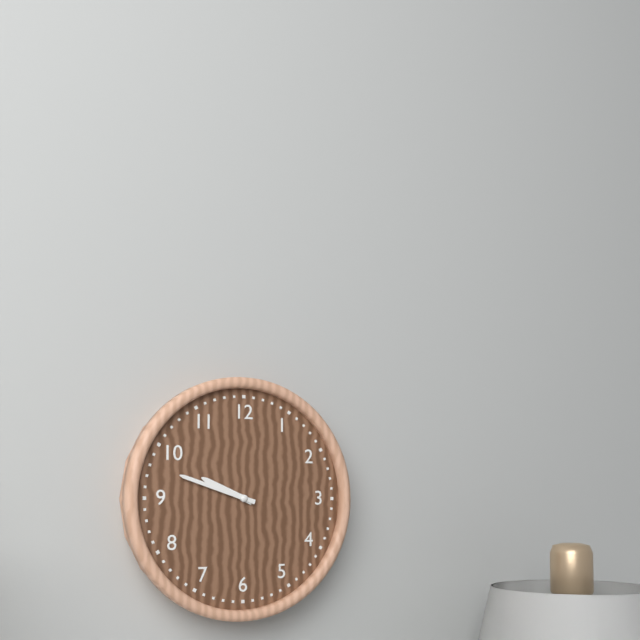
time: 9:48
